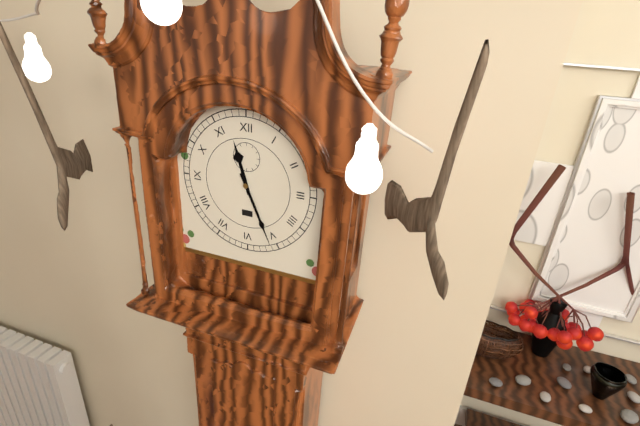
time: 11:26
